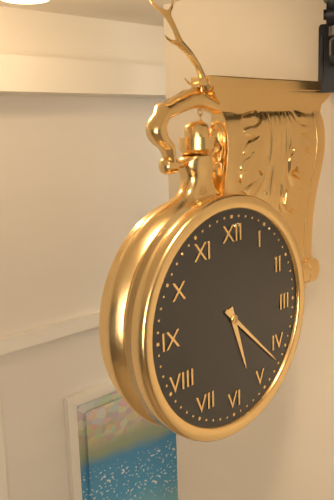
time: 5:22
